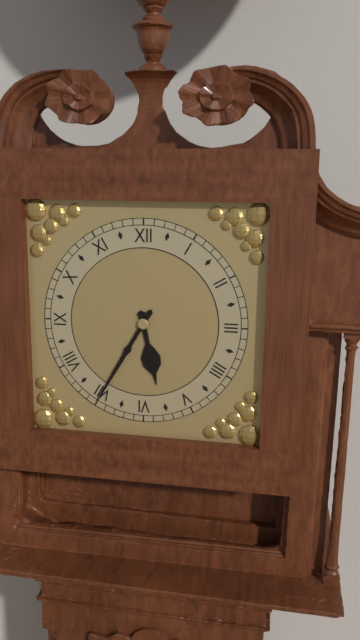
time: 5:35
